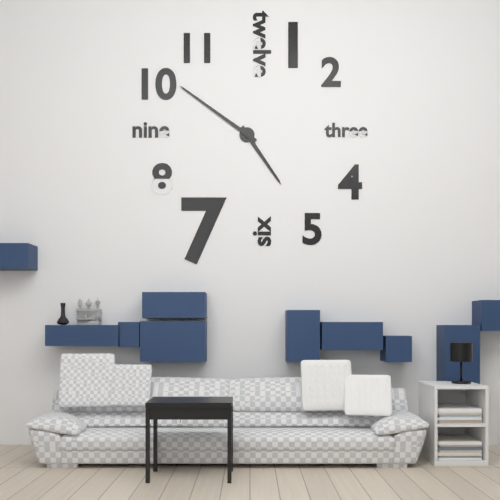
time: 4:51
